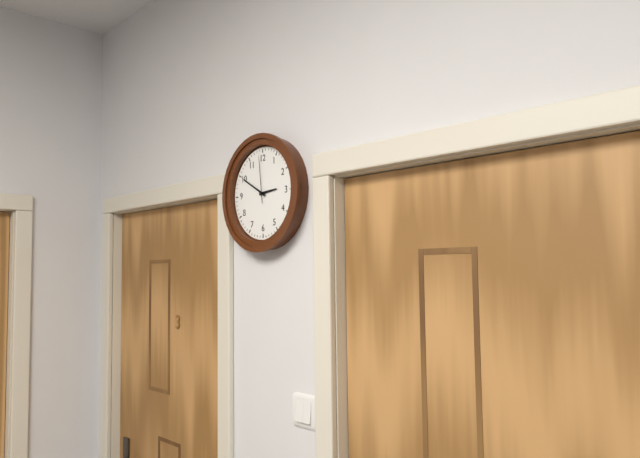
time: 2:50
